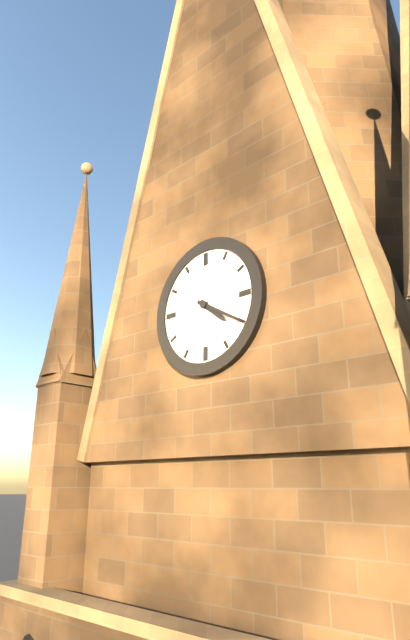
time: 4:20
